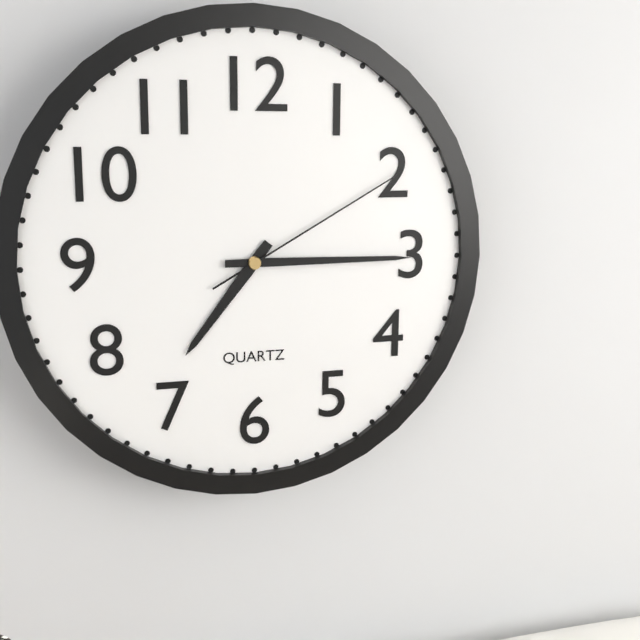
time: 7:15:10
